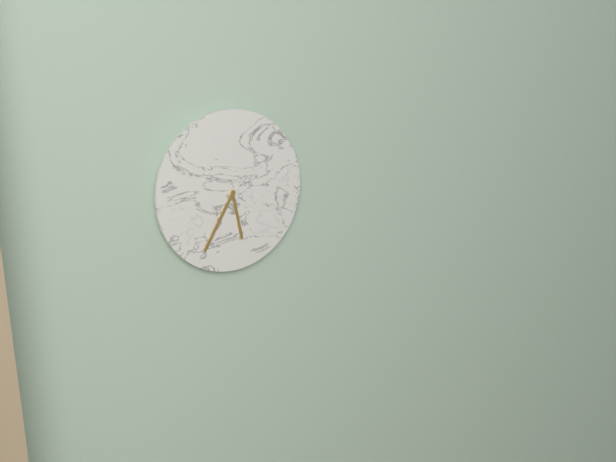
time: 5:35
